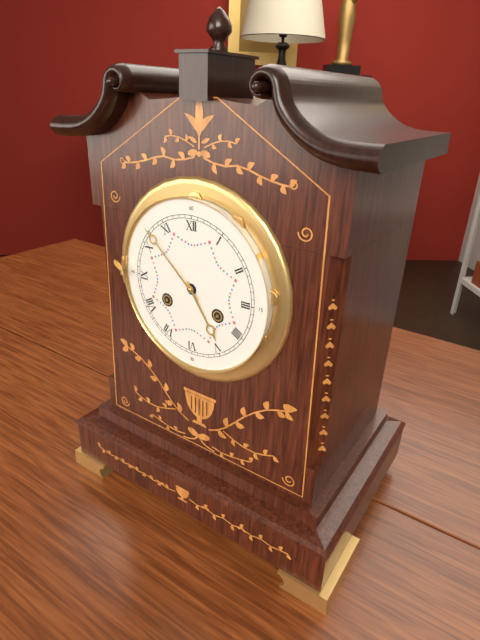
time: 4:52
